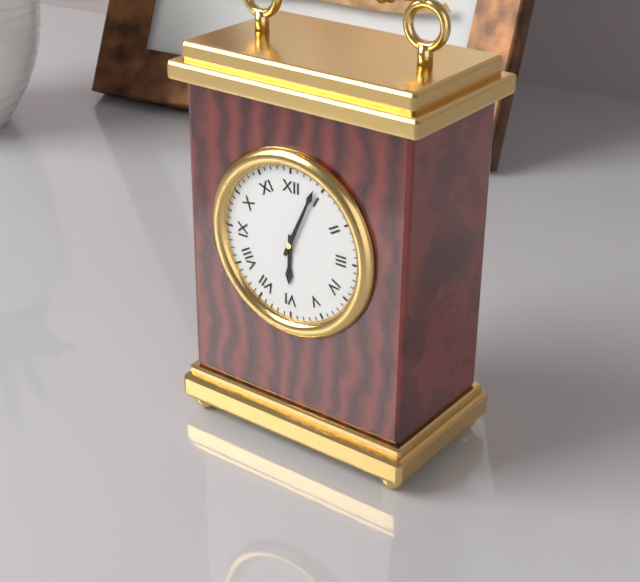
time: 6:04
